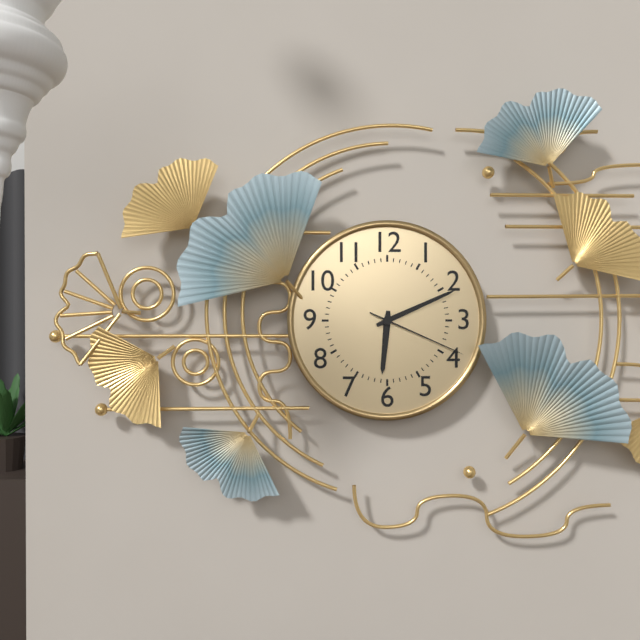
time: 6:11:19
